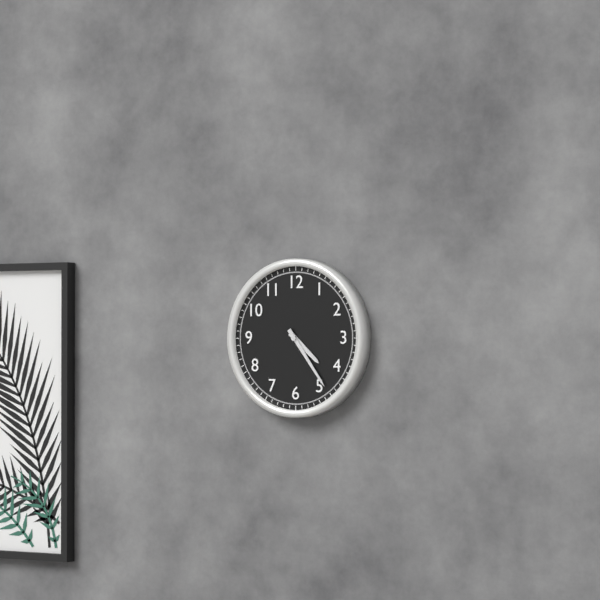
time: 4:24
